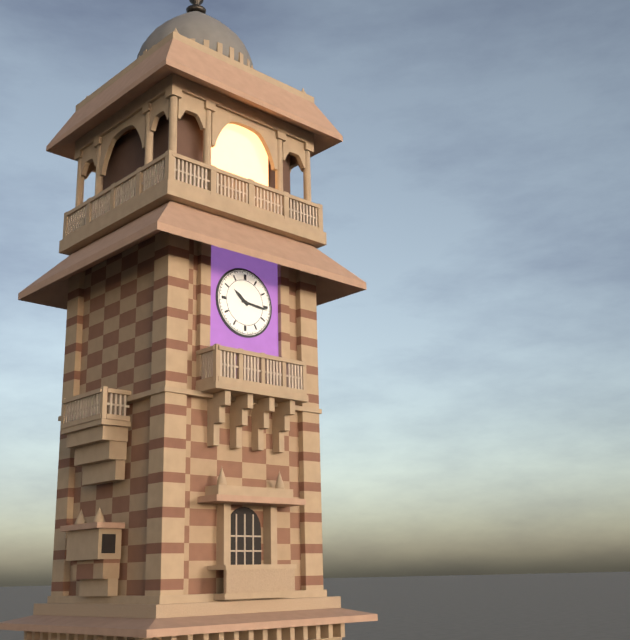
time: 10:16
